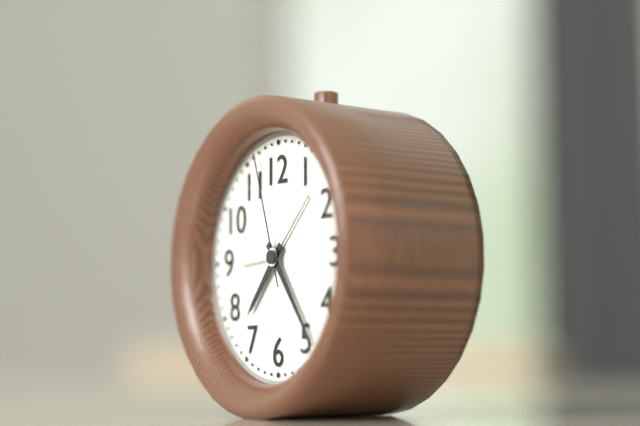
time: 7:24:57
